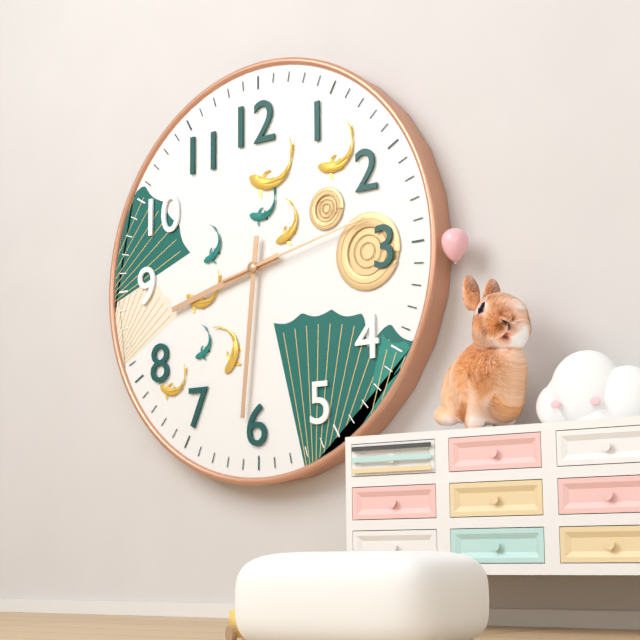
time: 8:31:13
